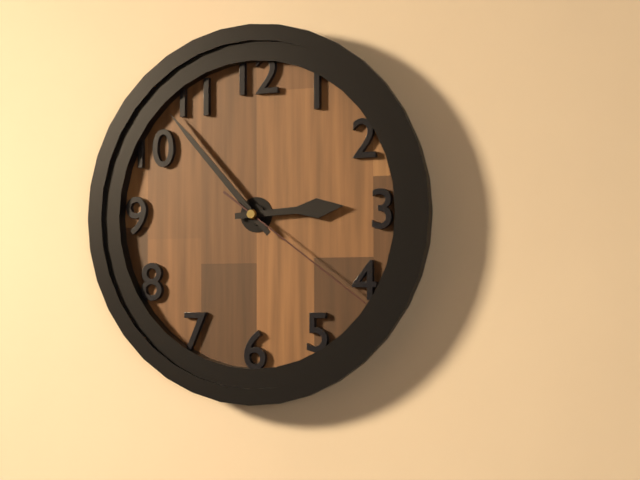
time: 2:53:21
